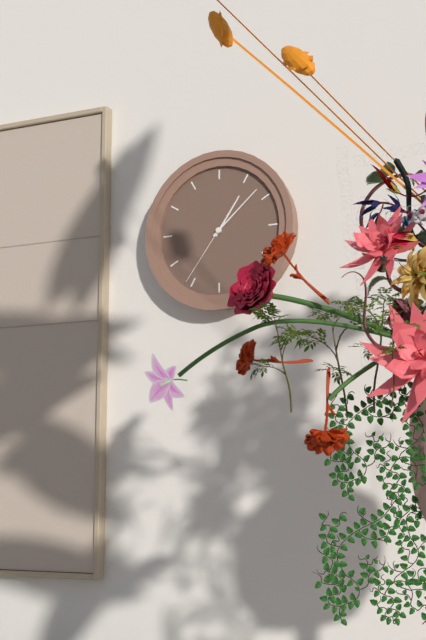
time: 1:08:36
